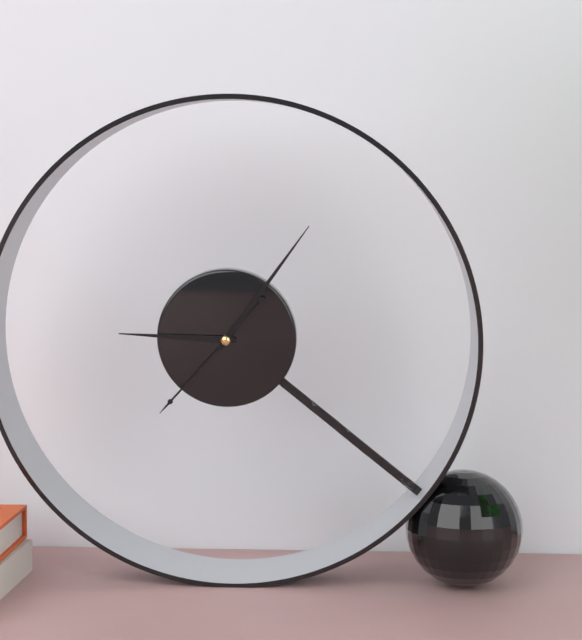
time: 9:06:37
